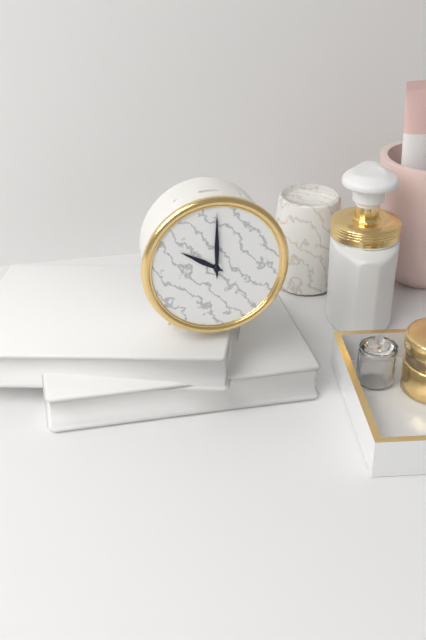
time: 10:00
